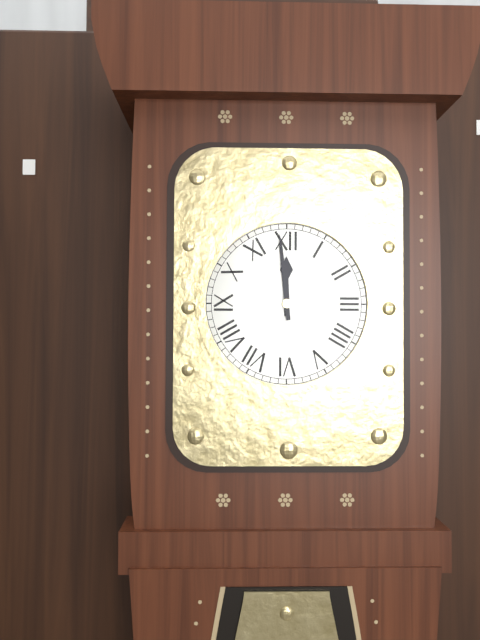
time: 11:59
